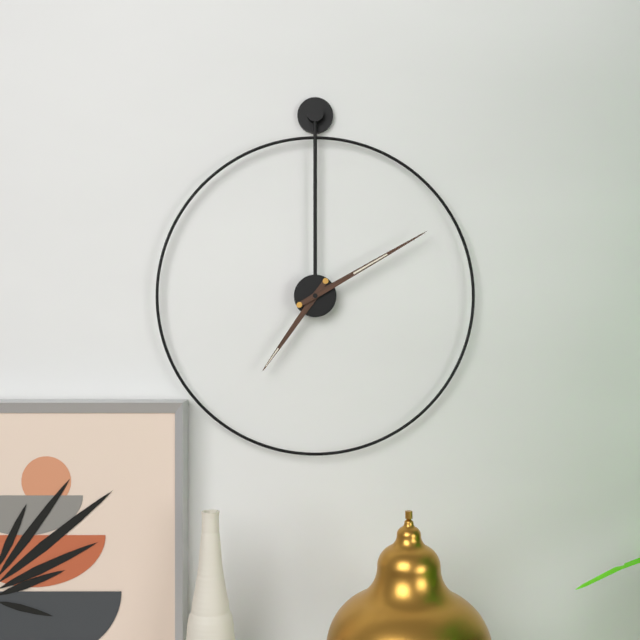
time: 7:10
